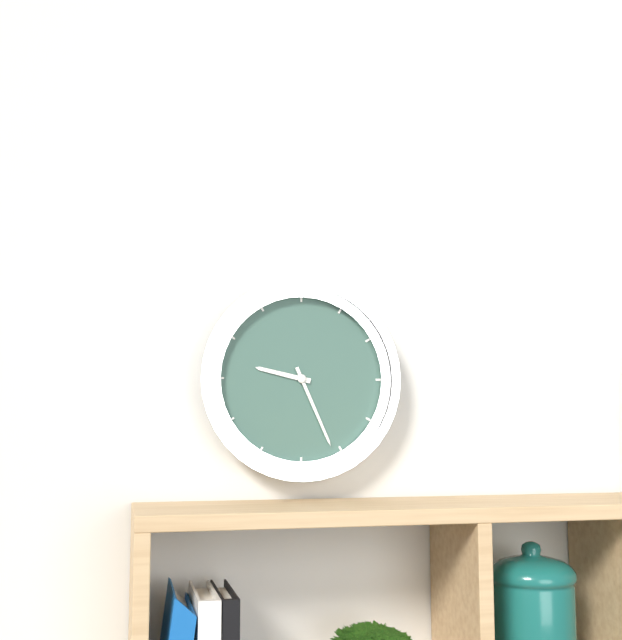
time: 9:26
